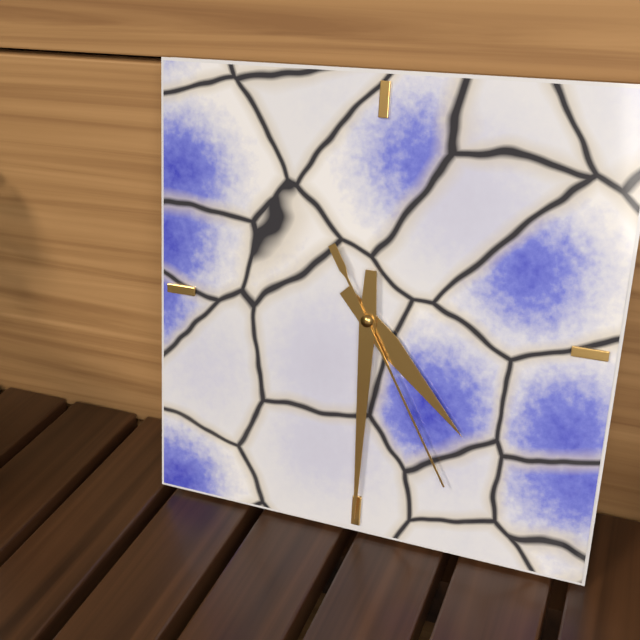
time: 4:30:25
